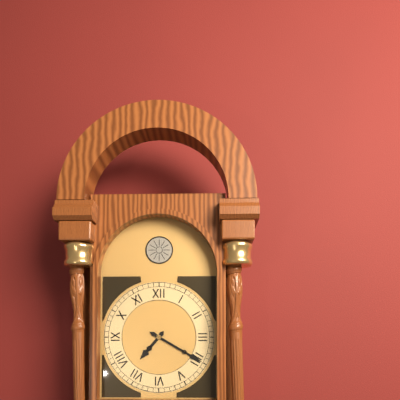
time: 7:20
